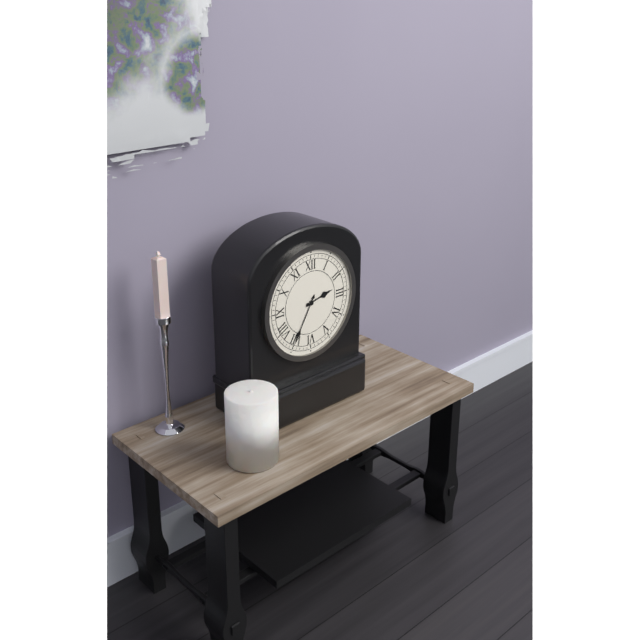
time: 2:35
